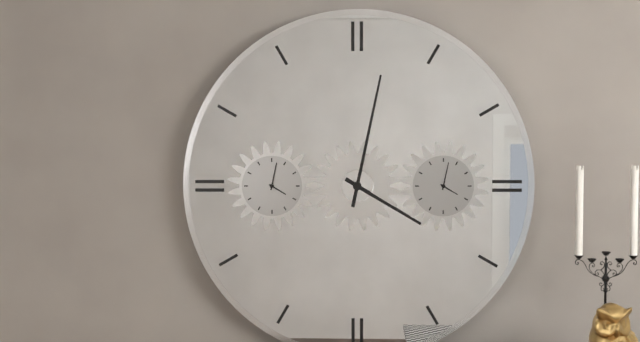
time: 4:02
